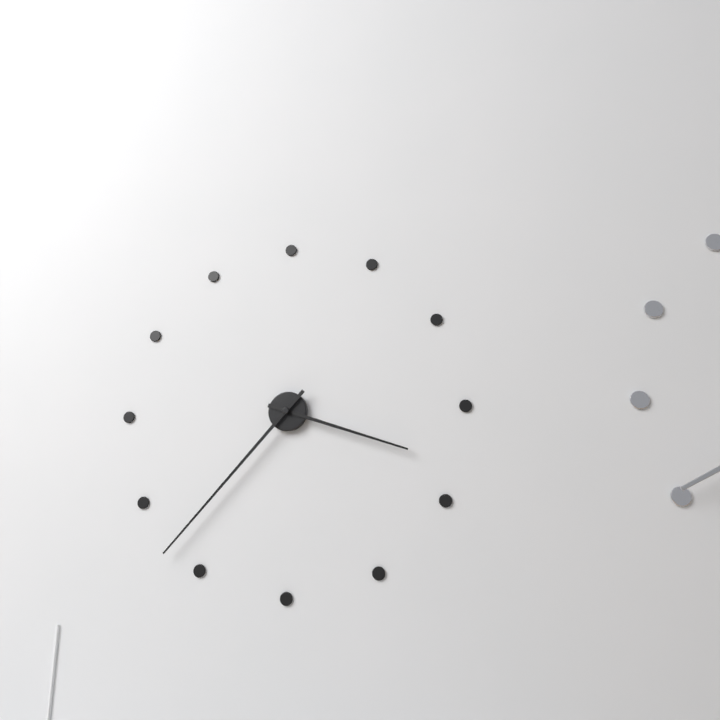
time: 3:37
